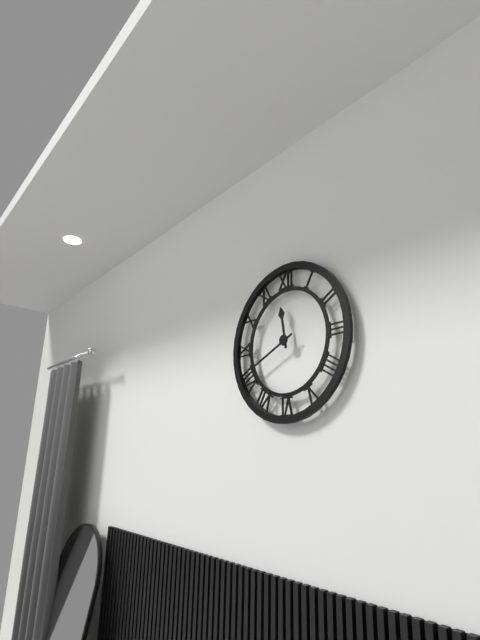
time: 11:41
